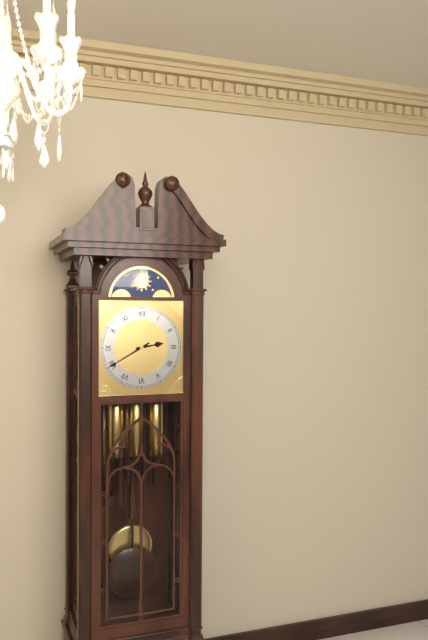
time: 2:40
